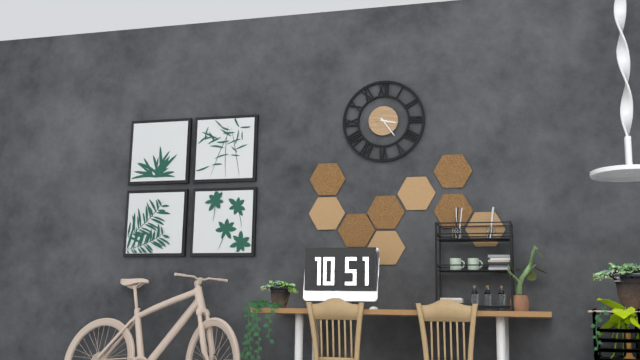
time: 3:24
